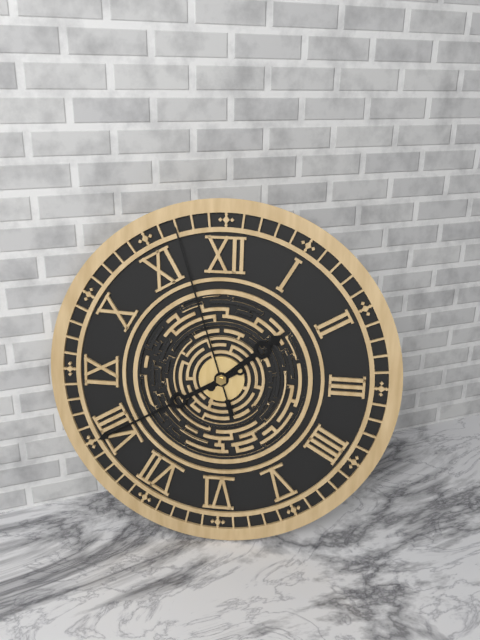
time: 1:40:57
